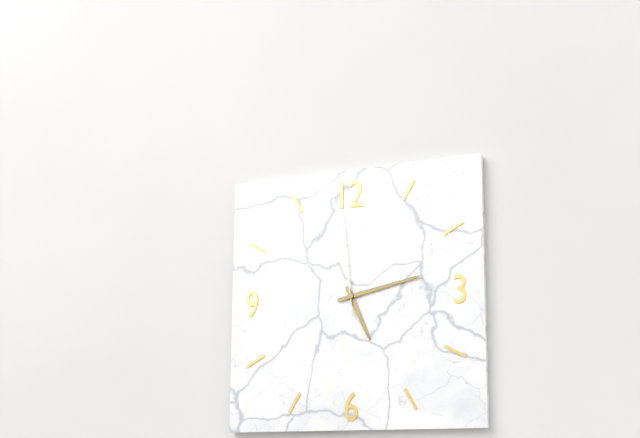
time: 5:13:59
